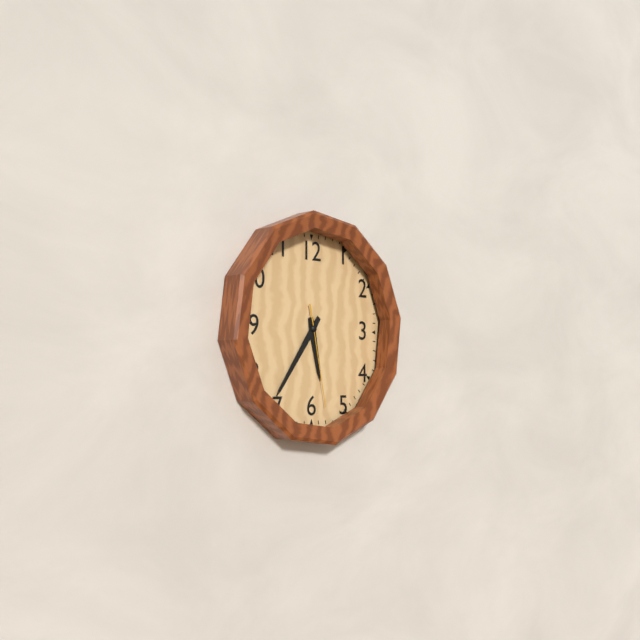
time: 5:36:28
